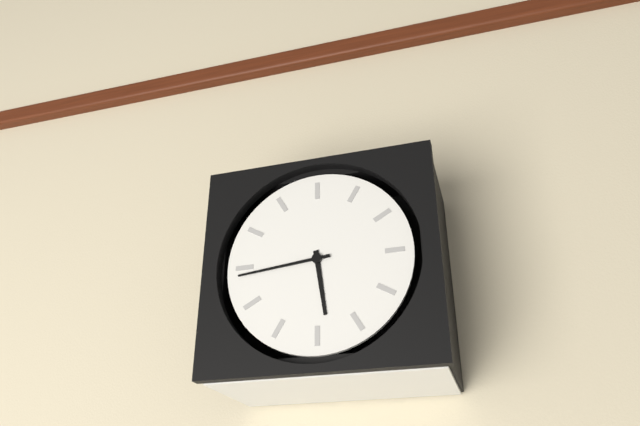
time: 5:44
